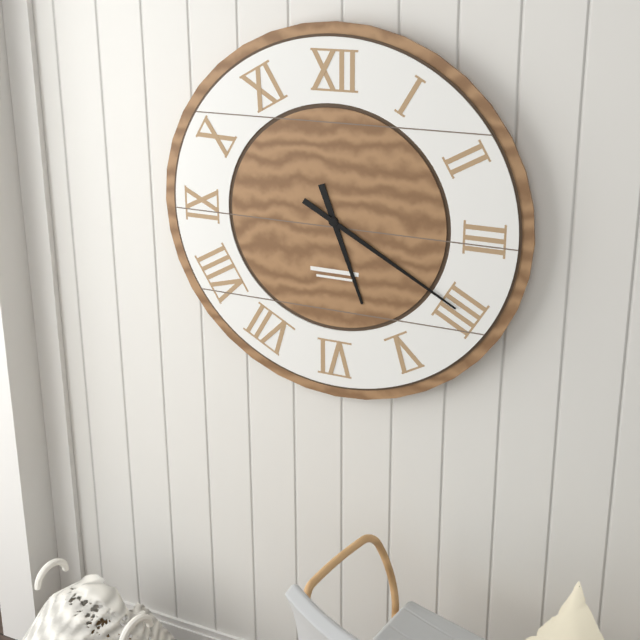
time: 5:20
